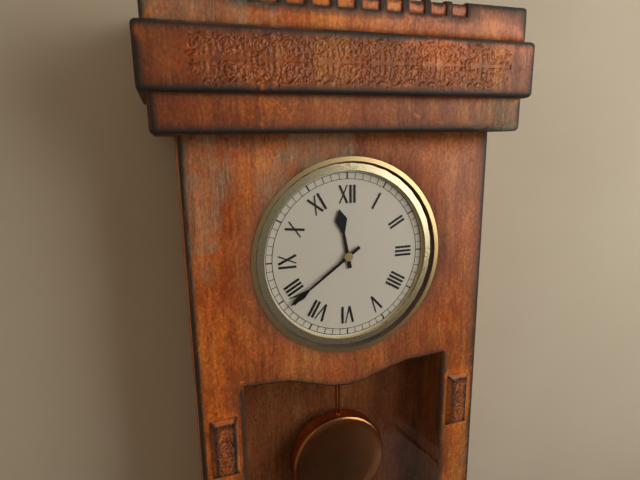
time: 11:39
